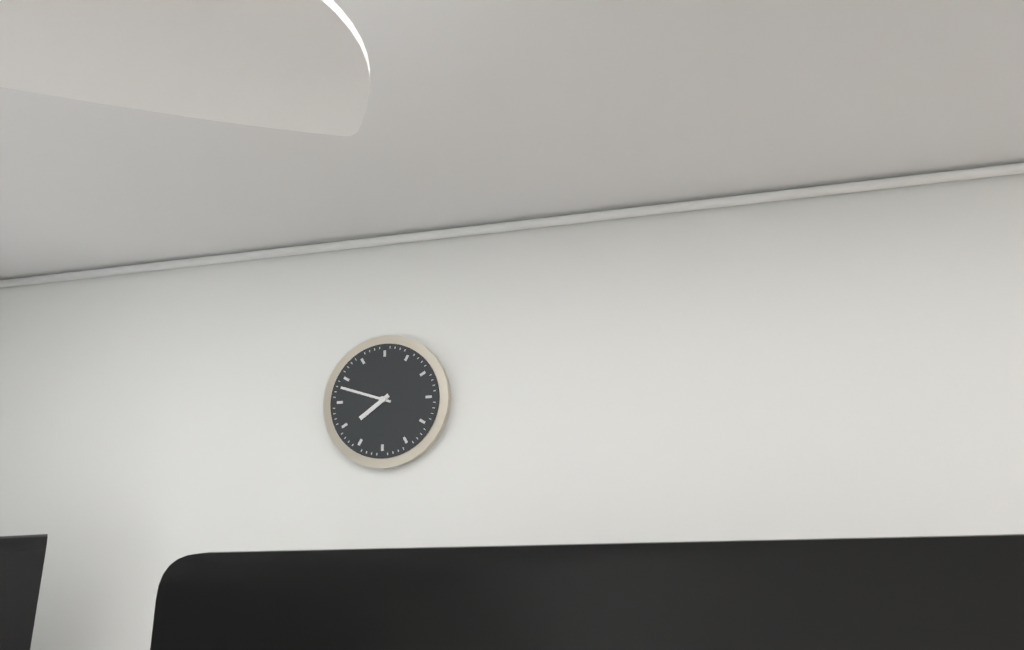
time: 7:48
